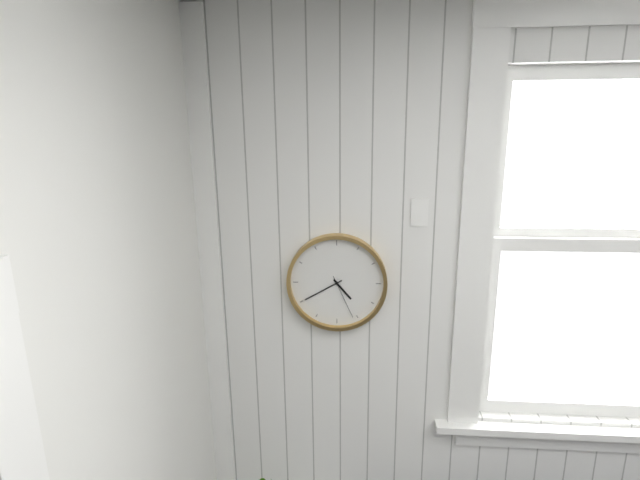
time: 4:40
